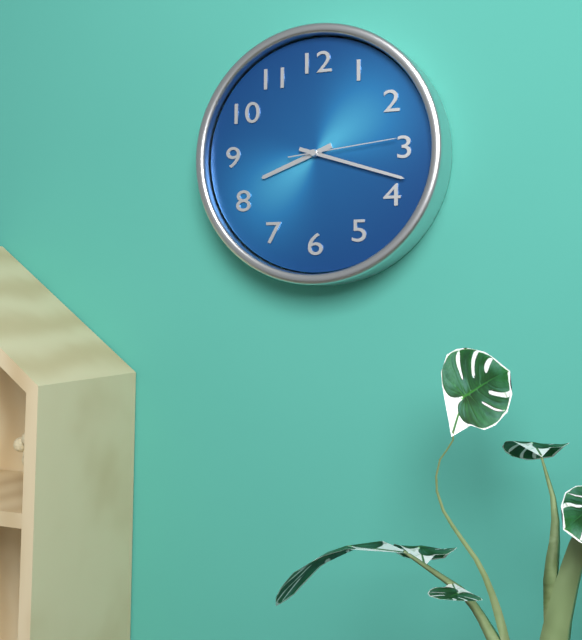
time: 8:18:14
